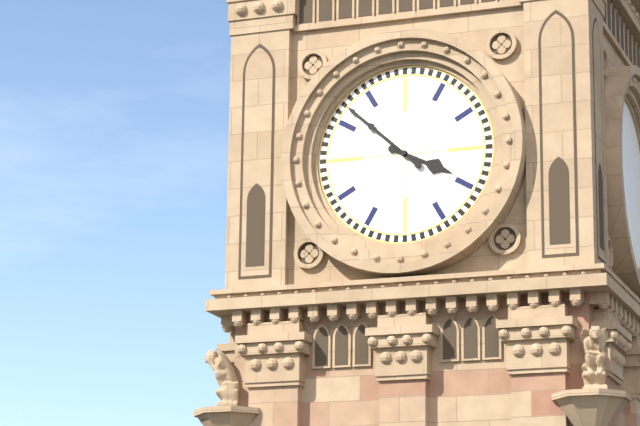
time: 3:52
